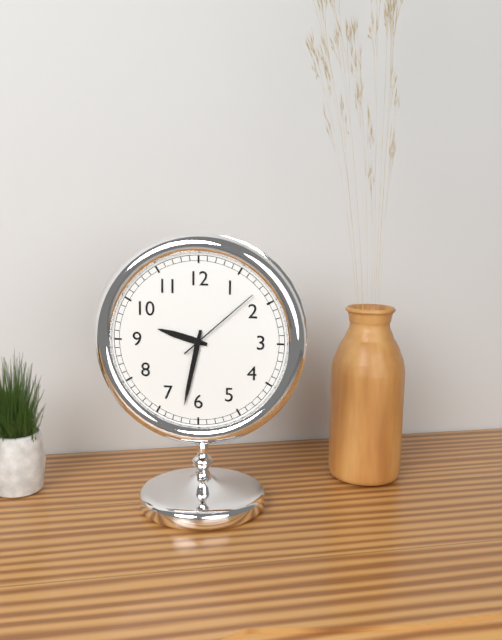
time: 9:32:08
